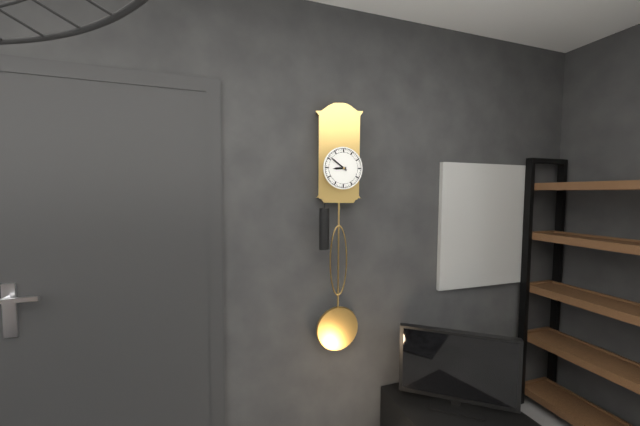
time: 8:51
